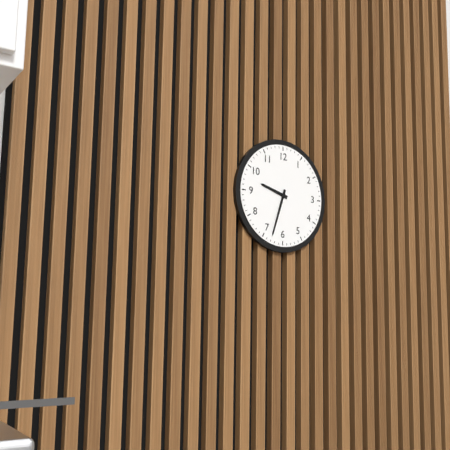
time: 9:33
